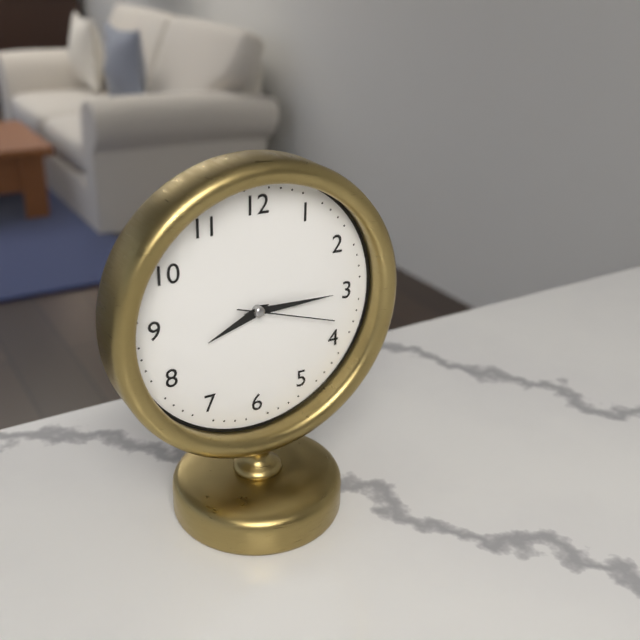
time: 8:15:18
